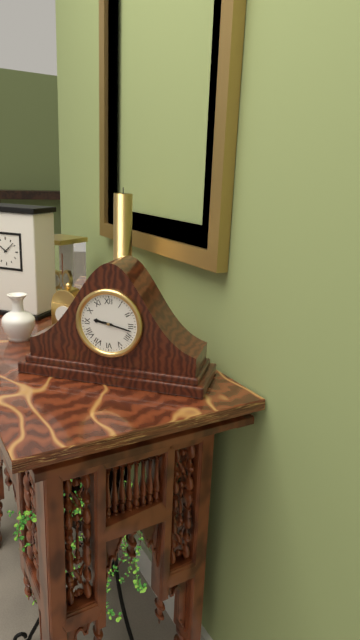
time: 9:17
